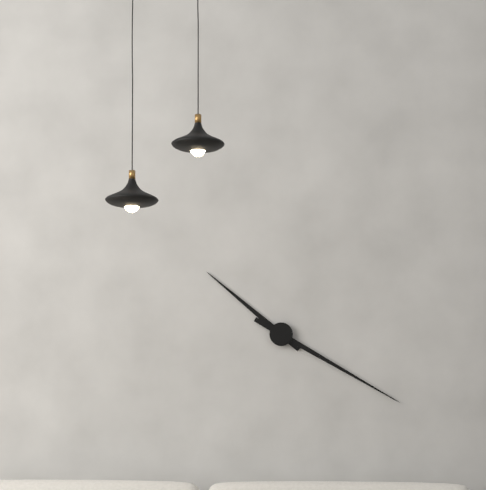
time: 10:20
